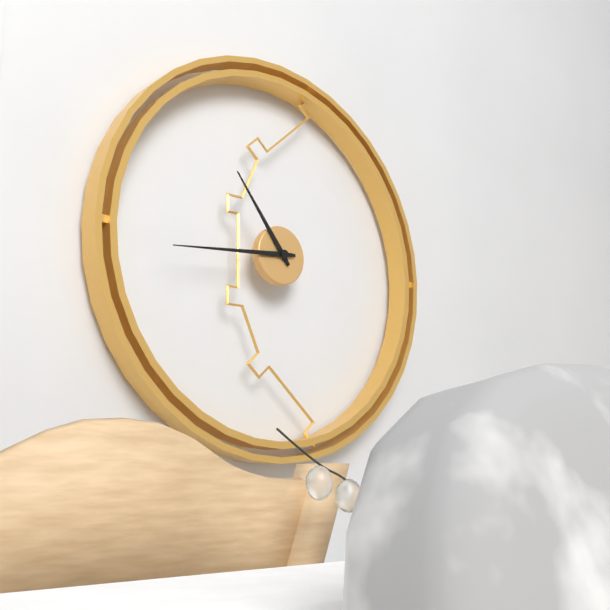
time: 10:44
